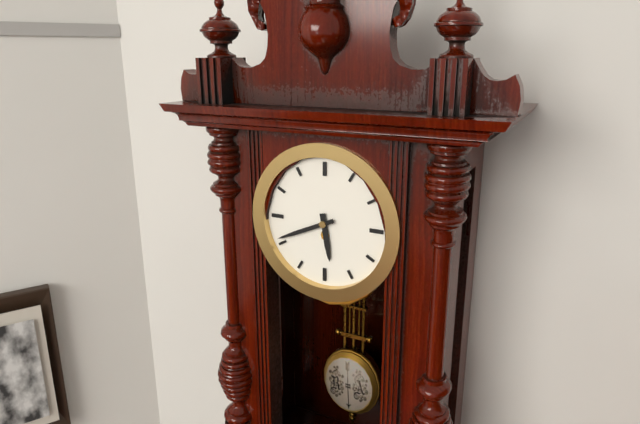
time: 5:41
